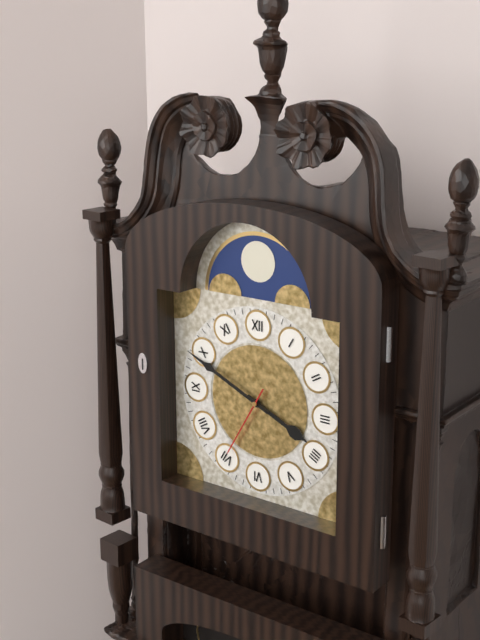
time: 3:49:35
